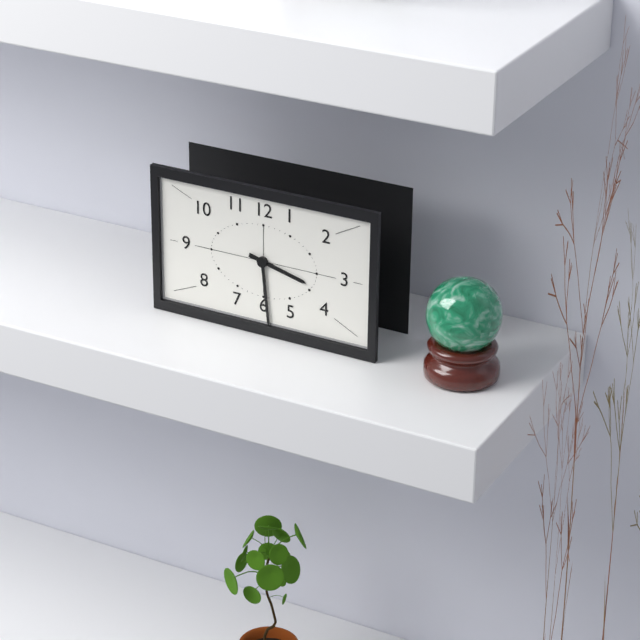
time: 3:29
